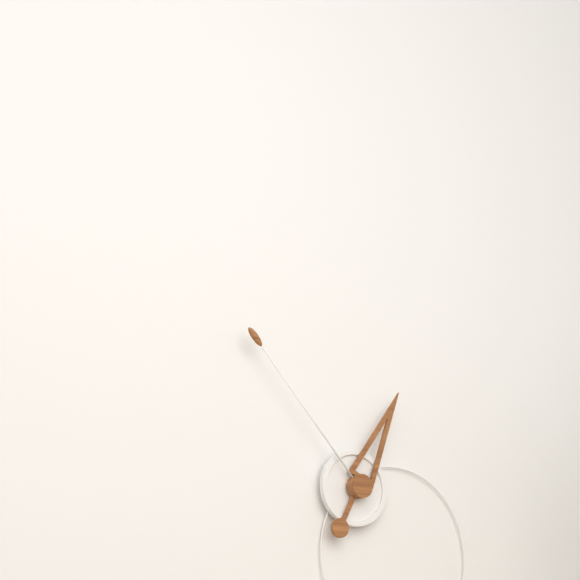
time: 12:53
